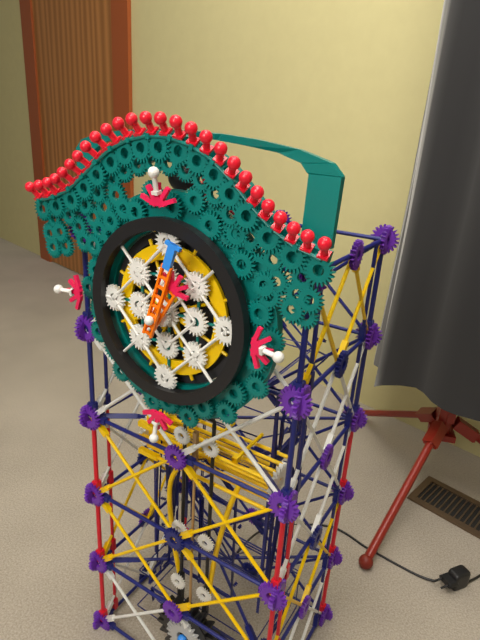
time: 1:03
